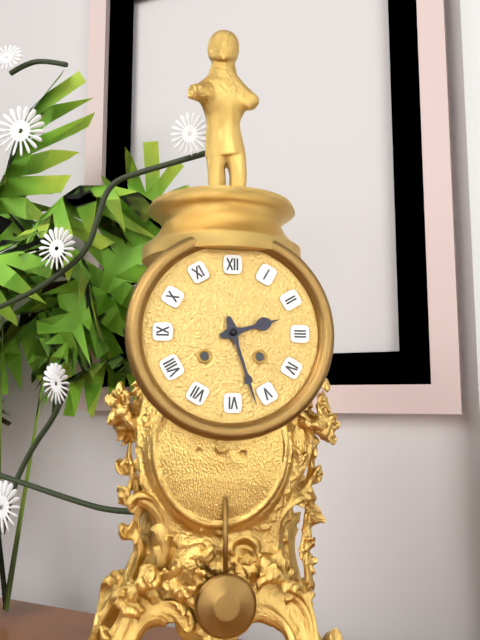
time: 2:27
